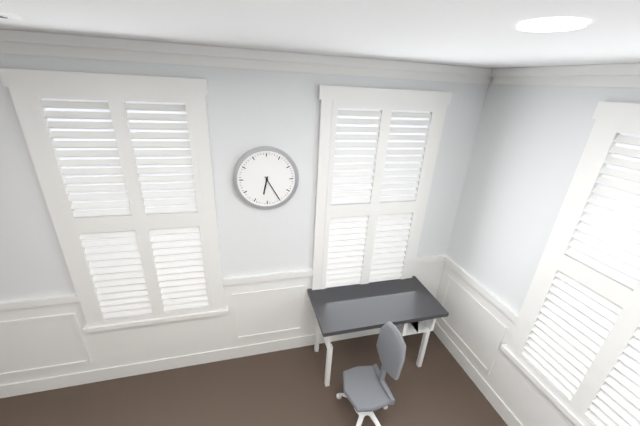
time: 6:25
